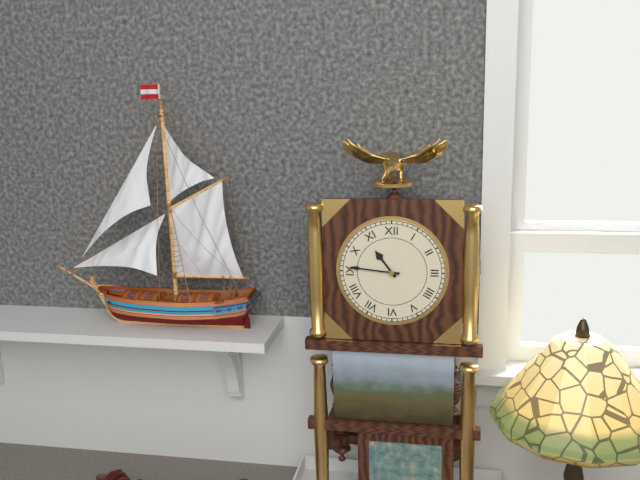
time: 10:46
